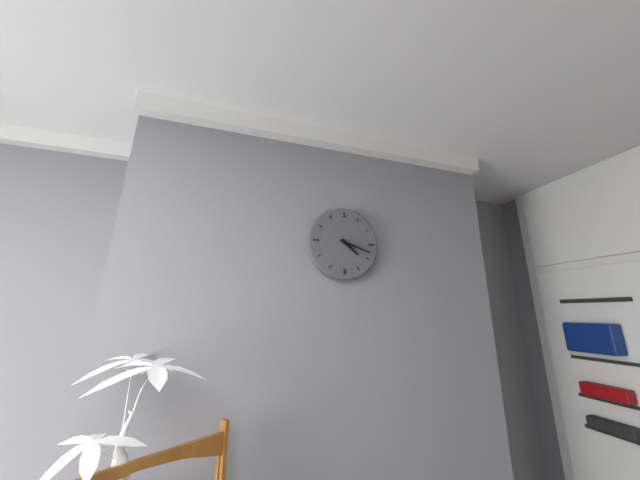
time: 4:18
